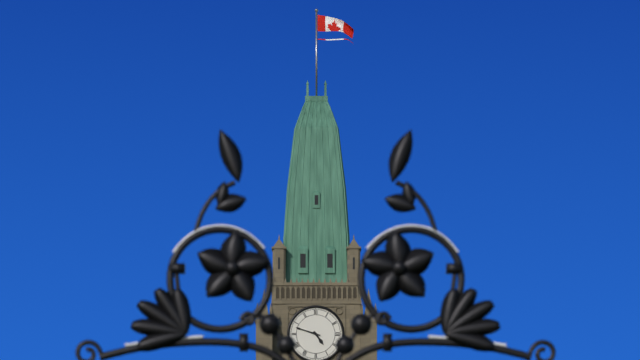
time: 4:48
